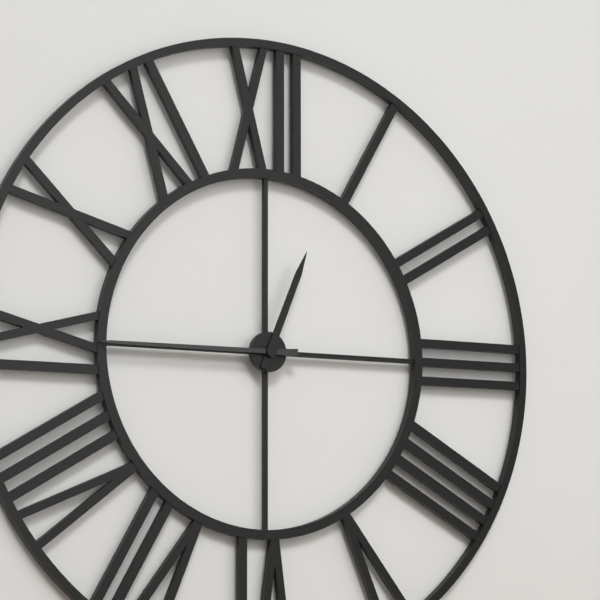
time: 12:45
